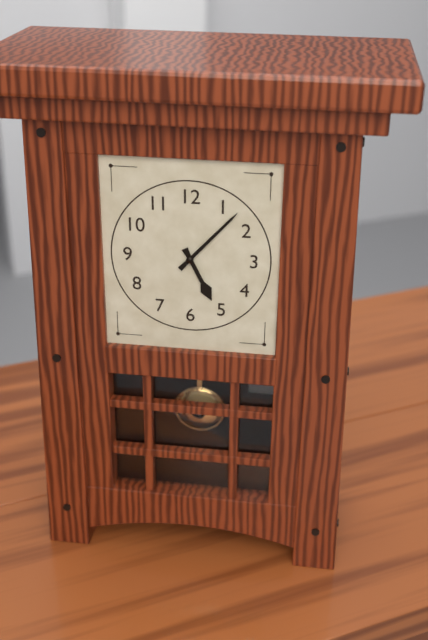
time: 5:07
